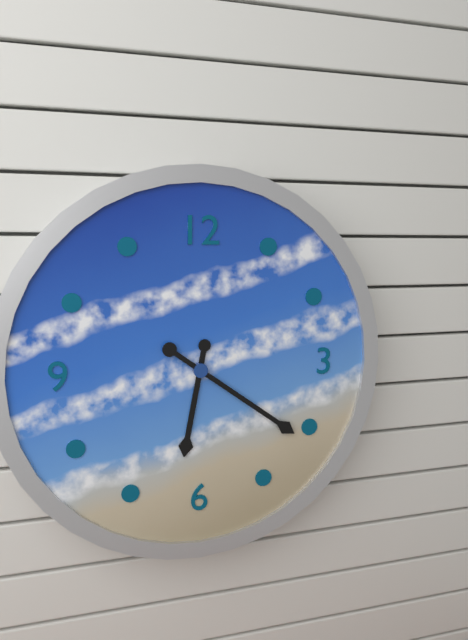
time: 6:21
